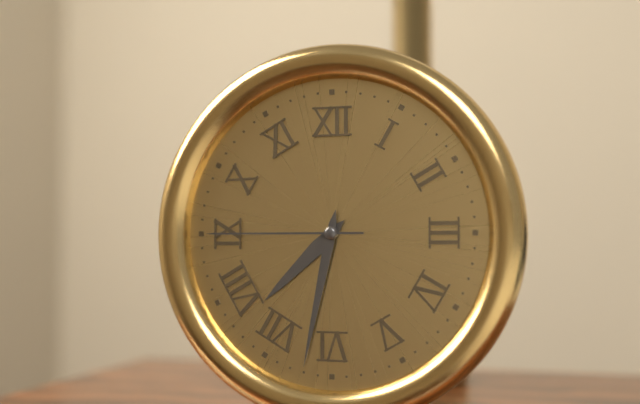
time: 7:32:45
